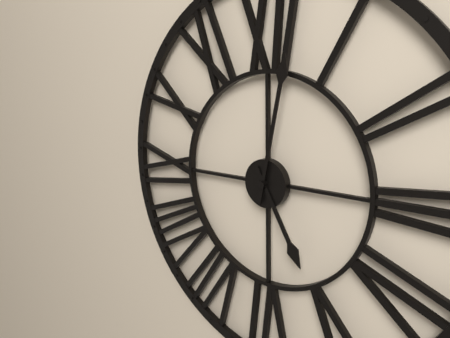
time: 5:02
